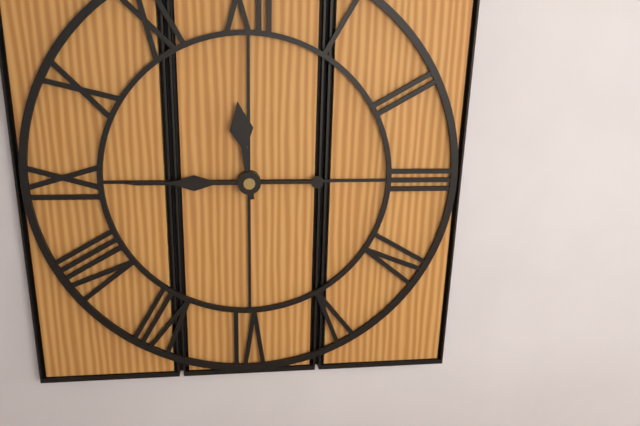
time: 11:45
